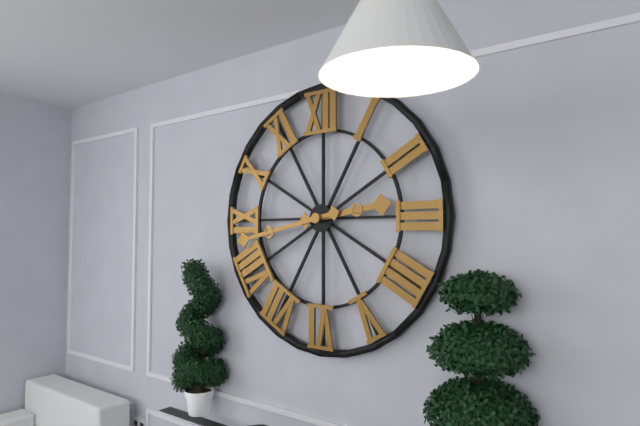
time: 2:43
